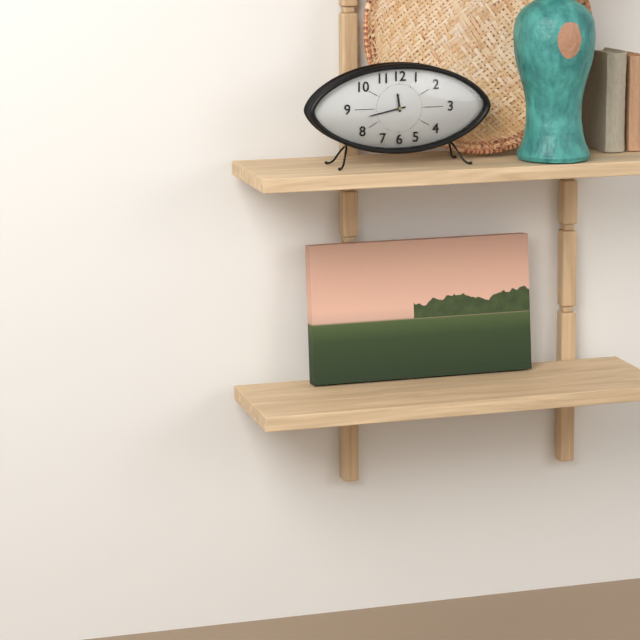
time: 11:43
